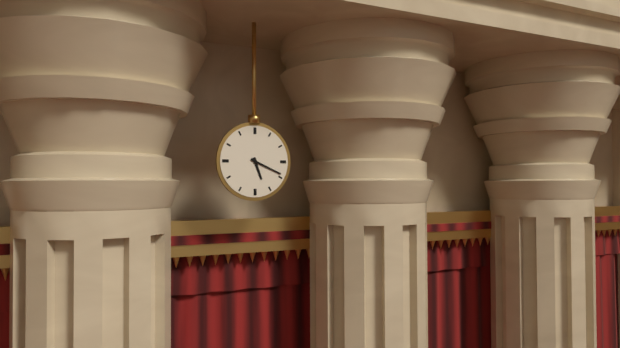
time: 5:19
